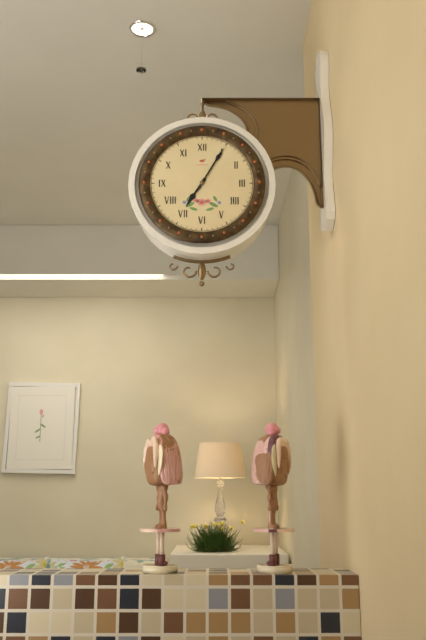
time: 7:05
